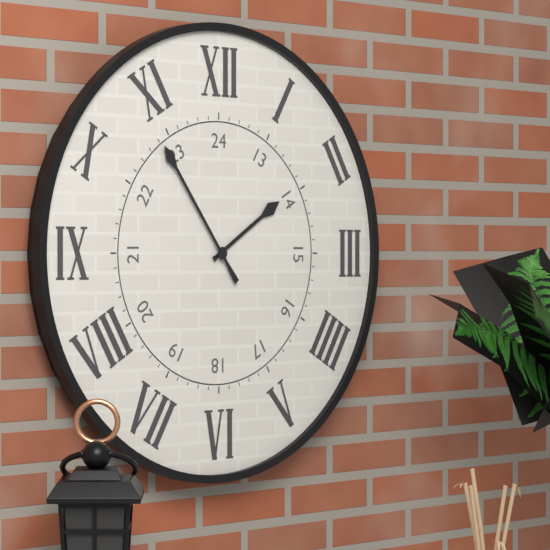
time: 1:54
